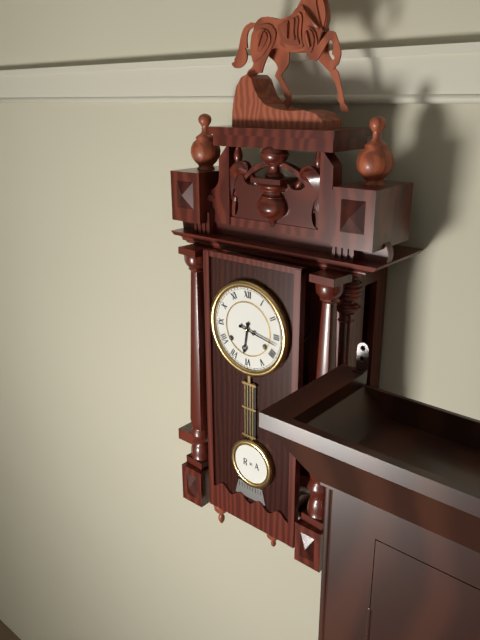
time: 6:17
